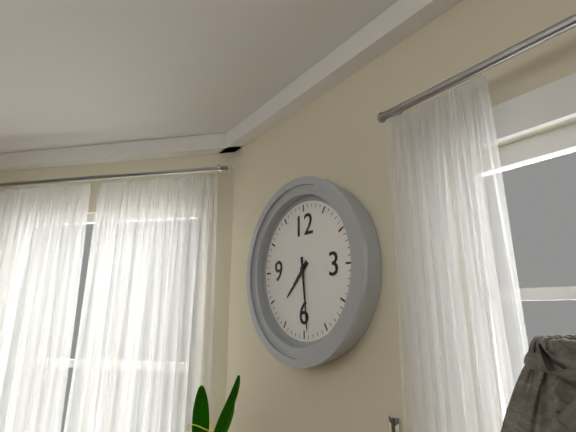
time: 7:29
